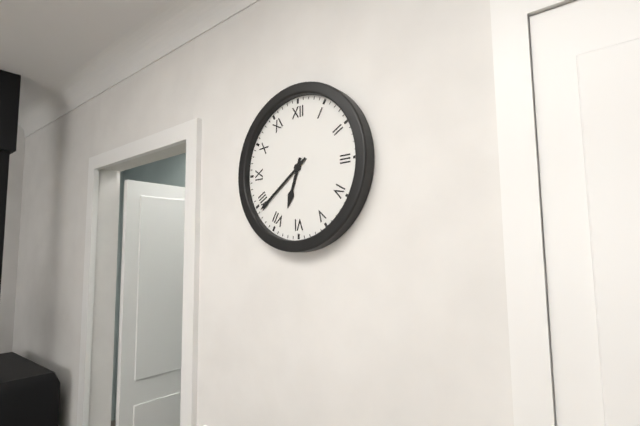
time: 6:39
